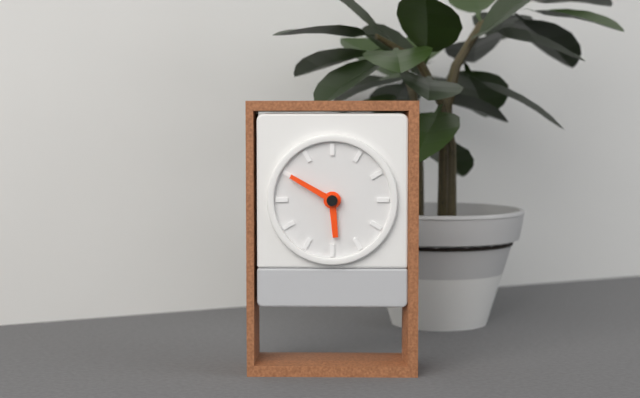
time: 5:50
